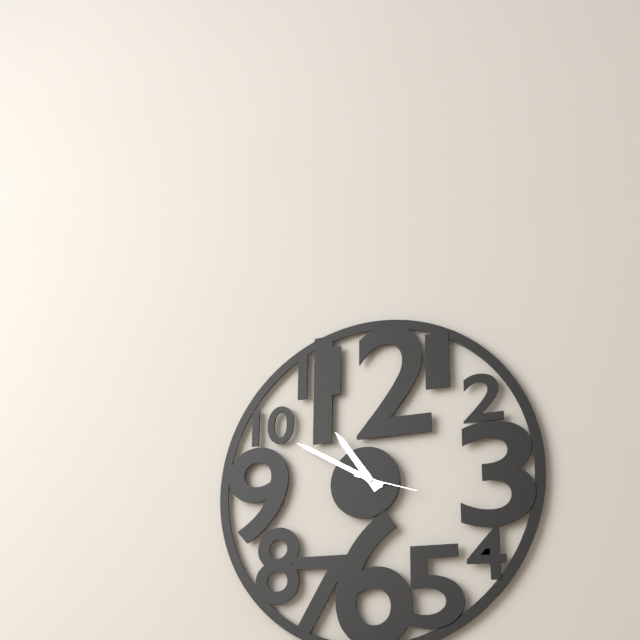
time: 10:50:18
